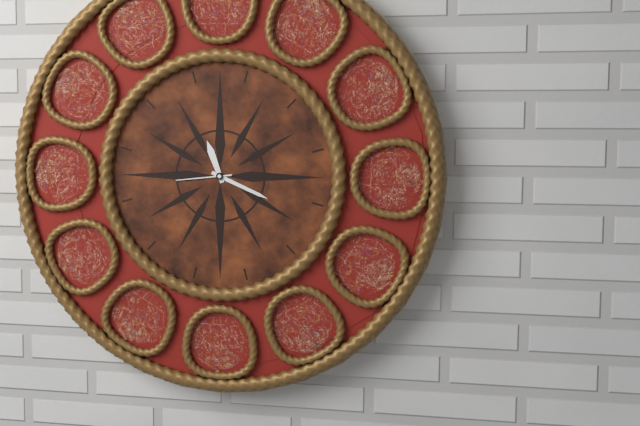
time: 11:19:44
